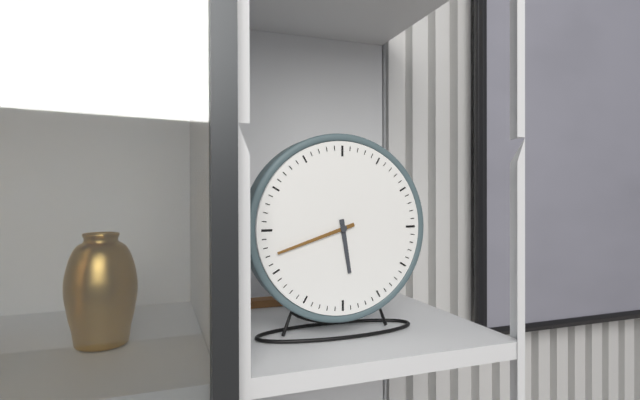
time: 5:42
